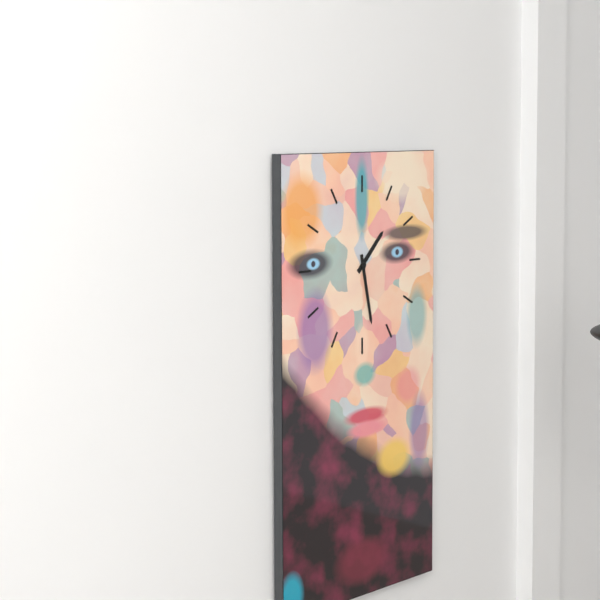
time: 1:28
